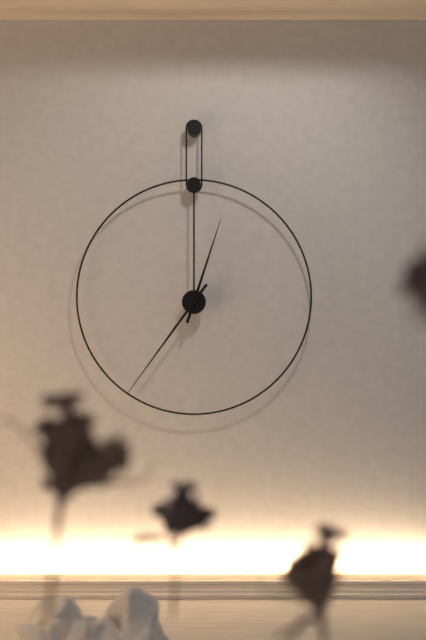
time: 12:36
